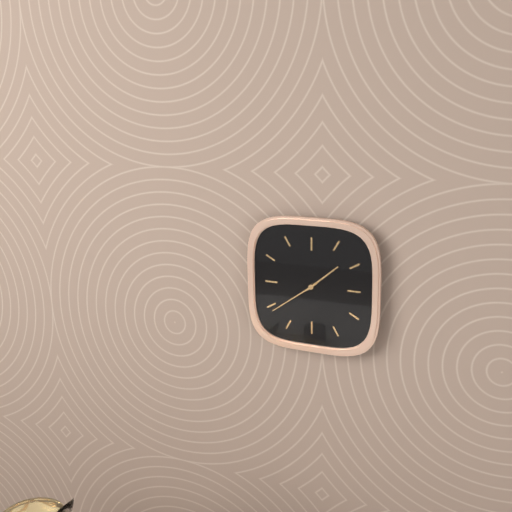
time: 1:39
